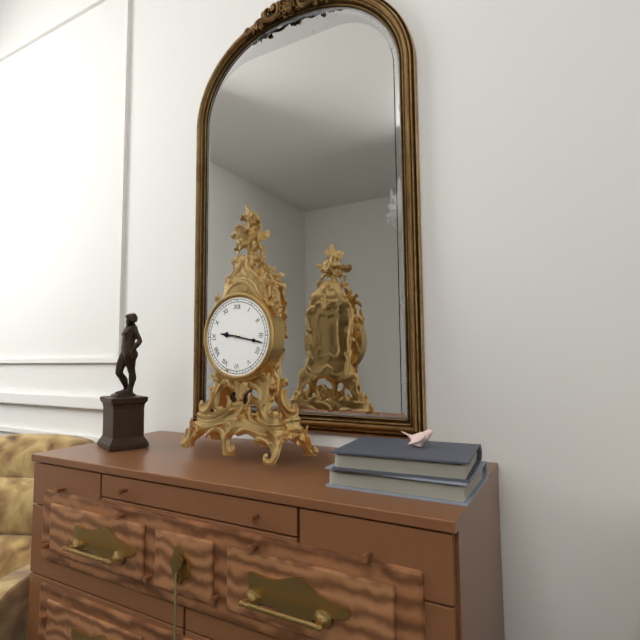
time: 9:17
